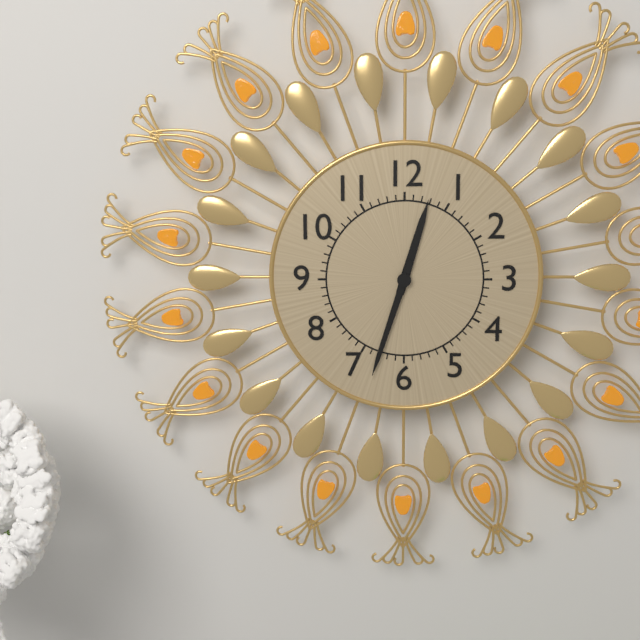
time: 12:33
